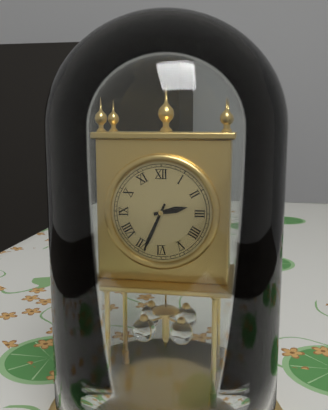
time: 2:34
